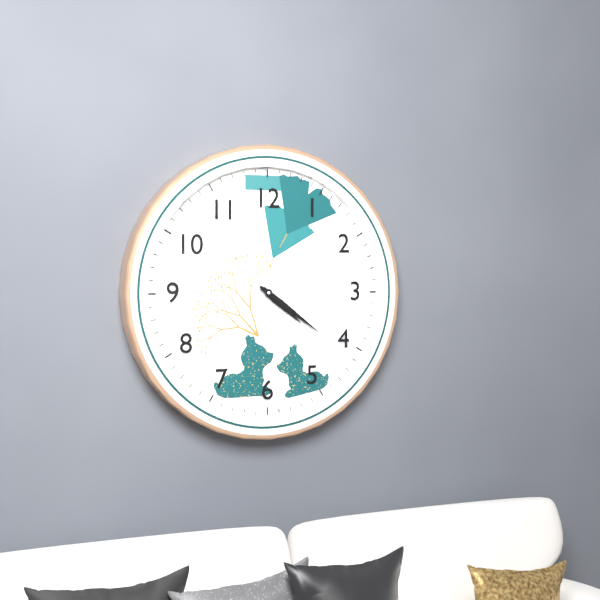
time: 4:21
